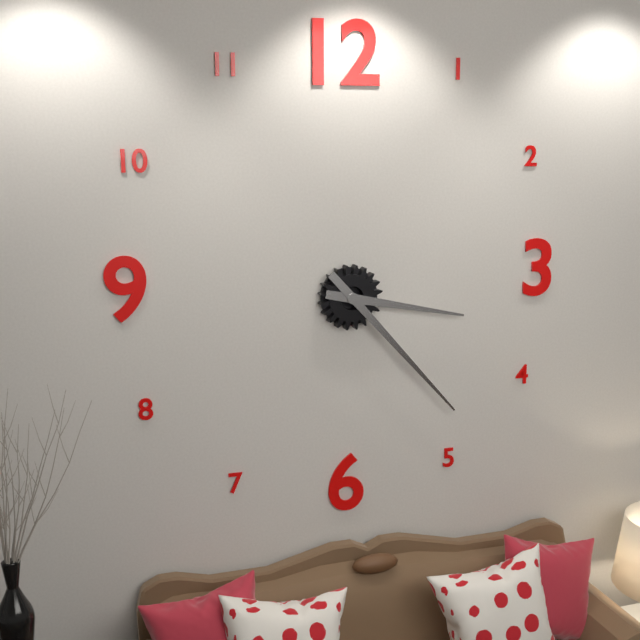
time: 3:23
